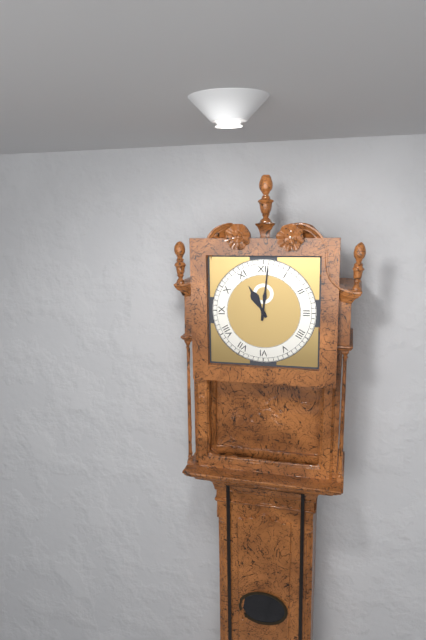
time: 11:01
